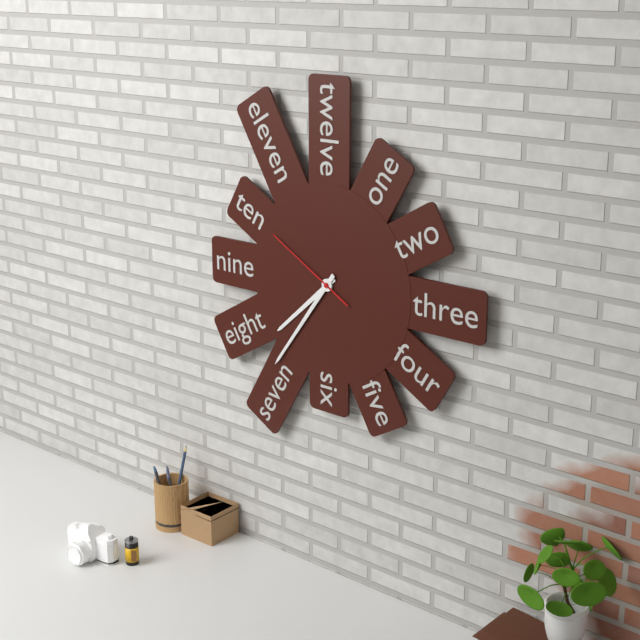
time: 7:36:50
